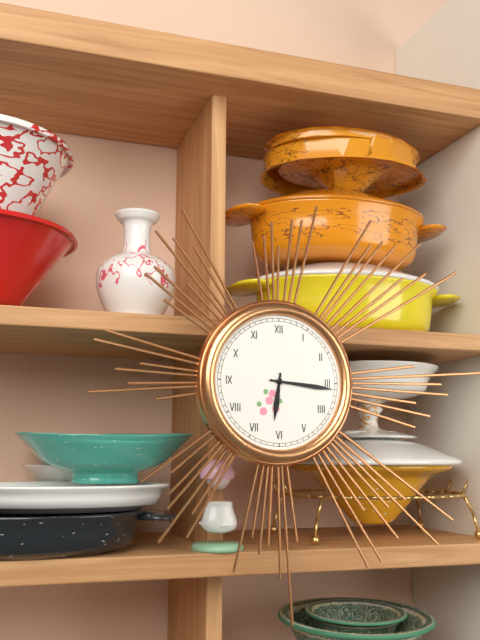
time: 6:16
